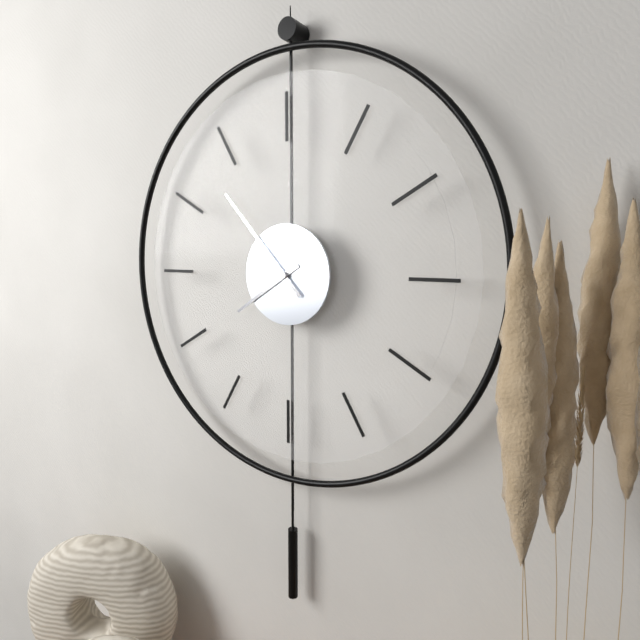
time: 7:53
